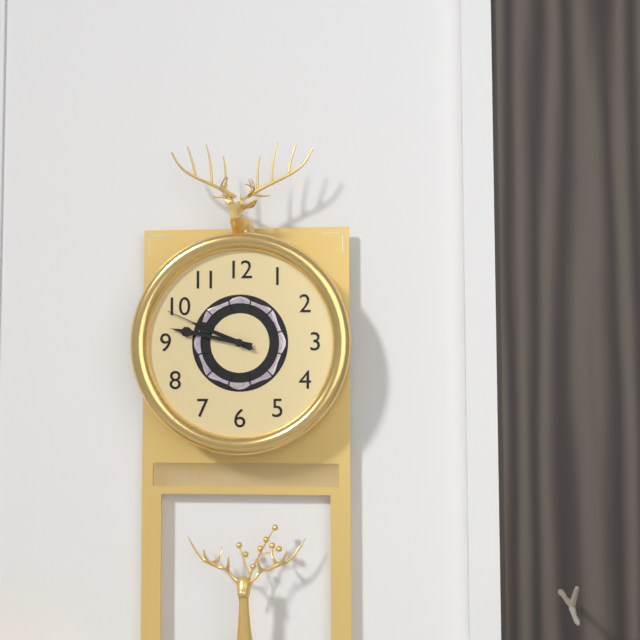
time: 9:47:49
